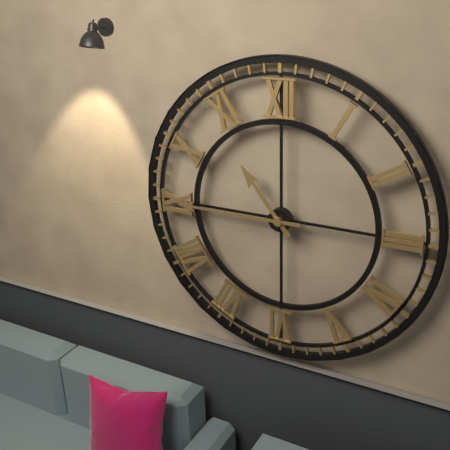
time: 10:45
